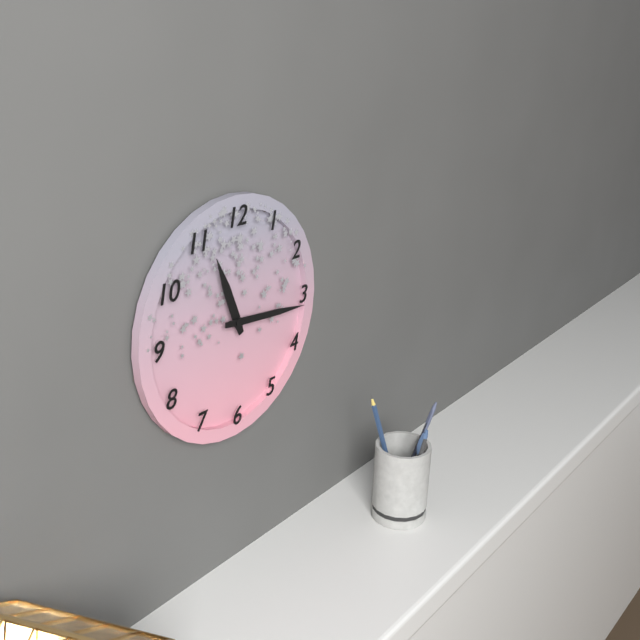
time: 11:16
